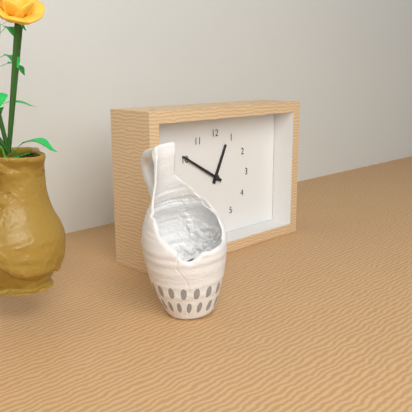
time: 12:50
